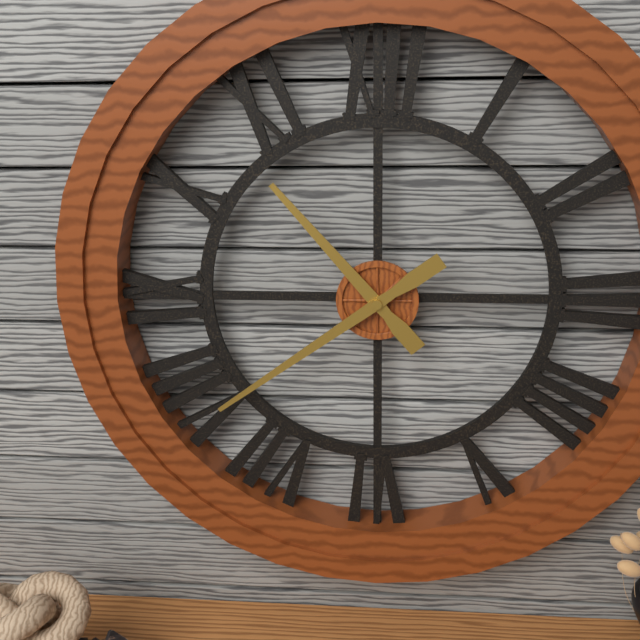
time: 10:39
